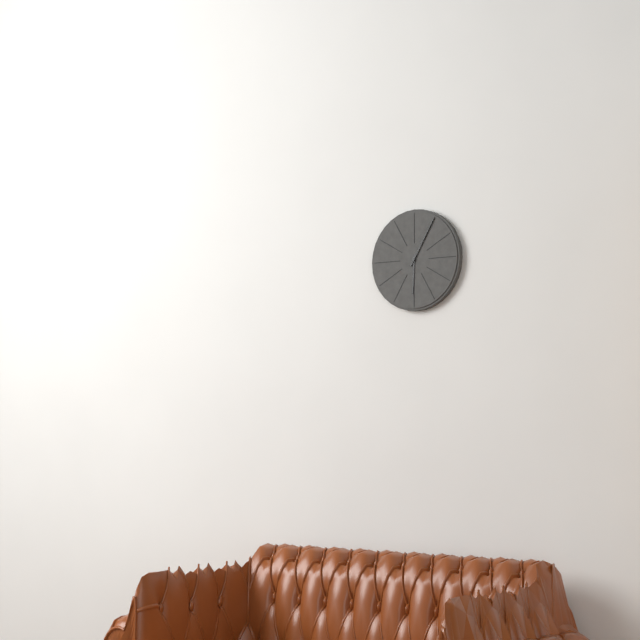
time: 6:05
